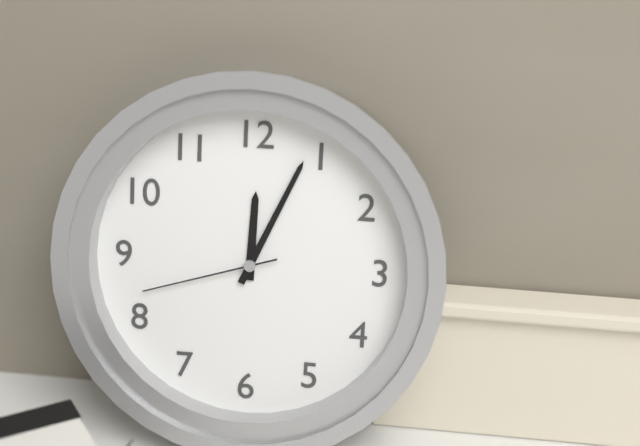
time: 12:04:42
